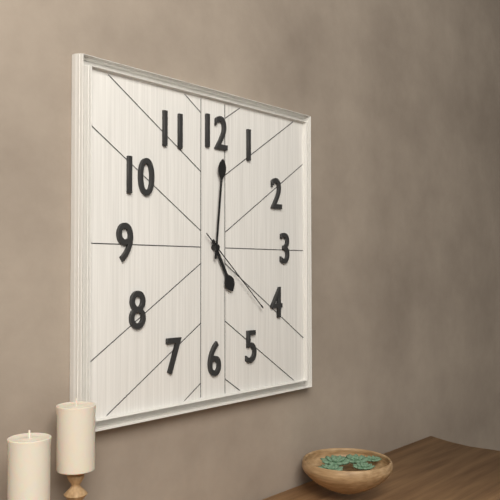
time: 5:01:22
